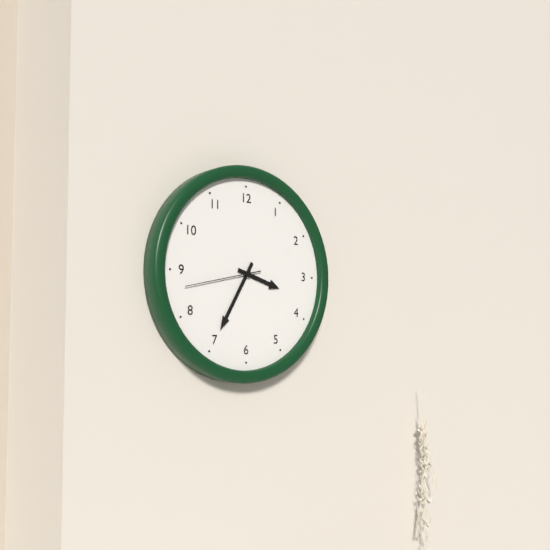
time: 3:35:43
